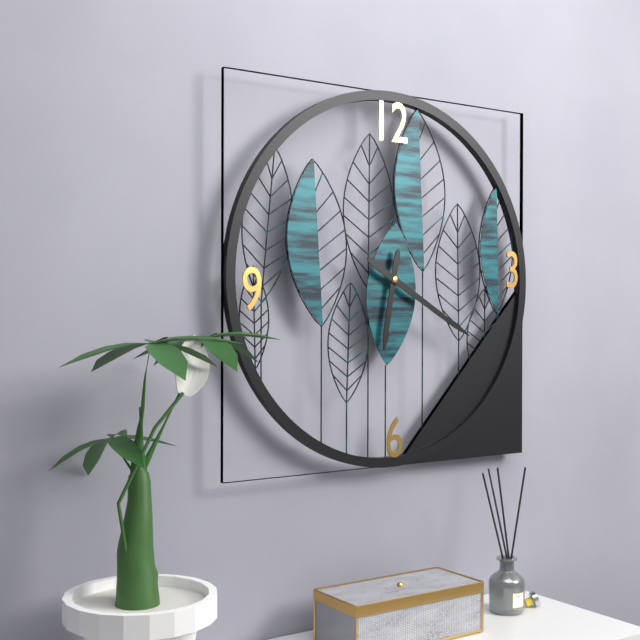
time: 6:20
